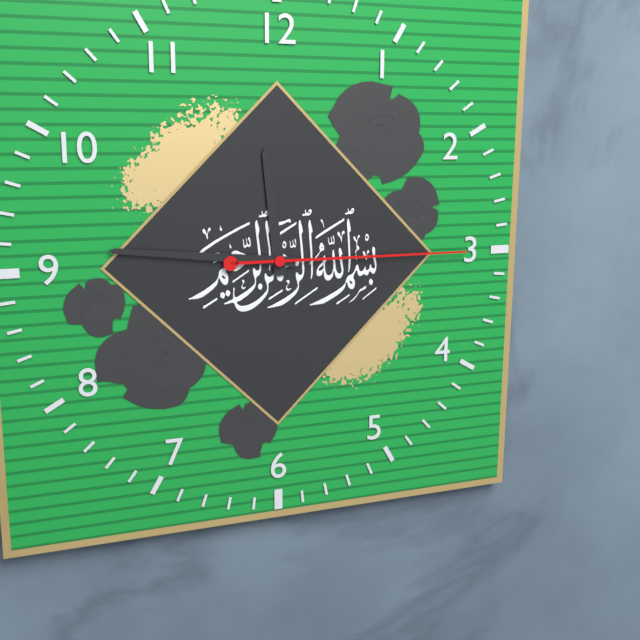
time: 11:46:15
